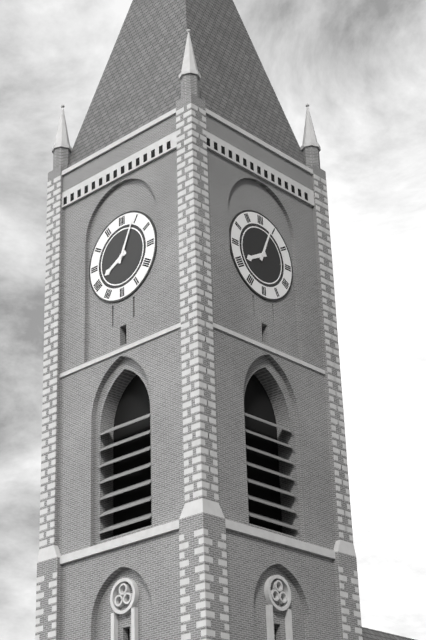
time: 8:04
